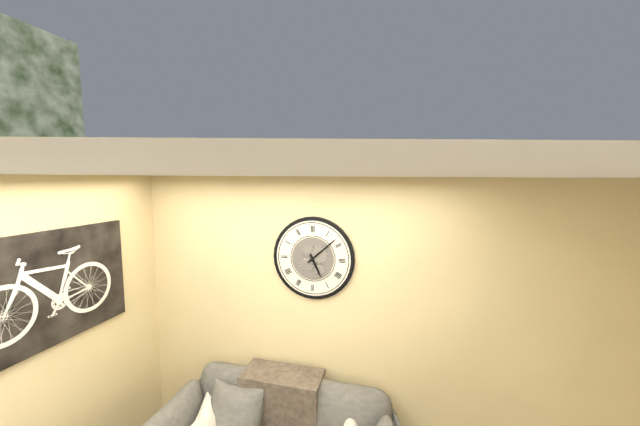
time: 5:08
